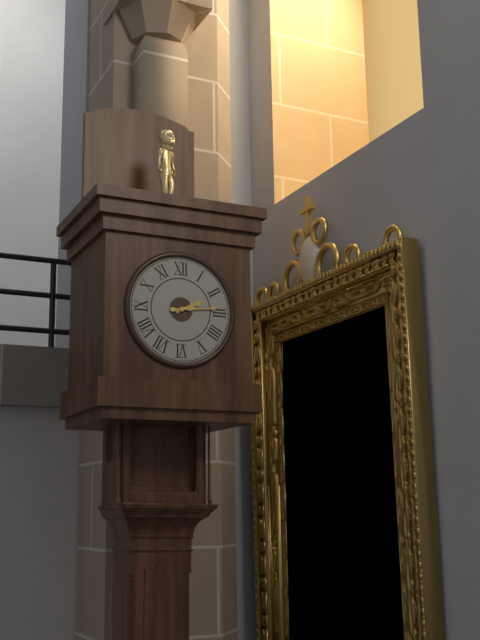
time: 2:14
